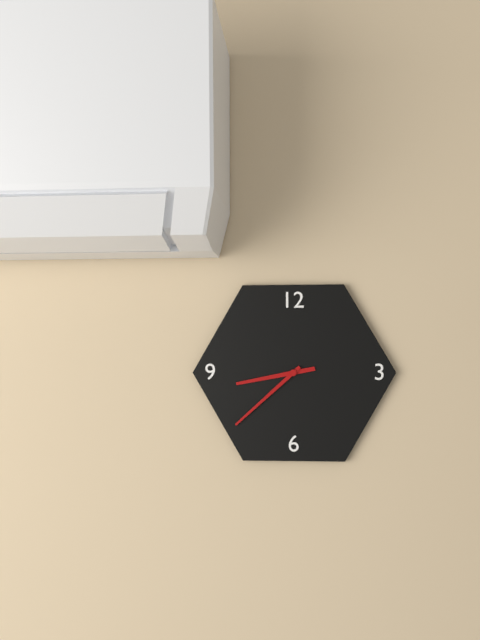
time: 8:38
